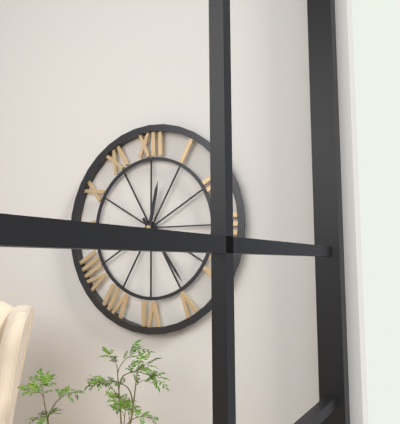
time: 12:24
